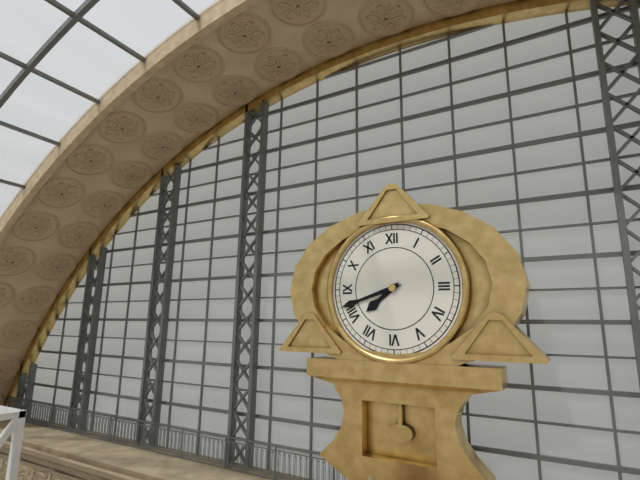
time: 7:42
